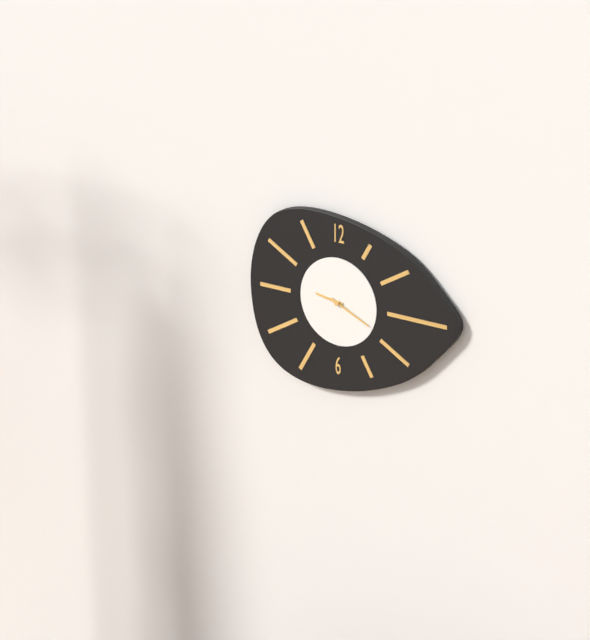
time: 9:19
